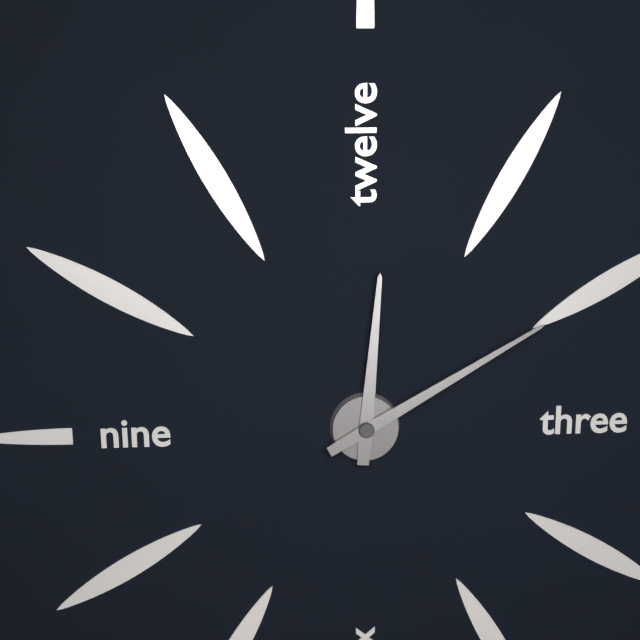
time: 12:10
